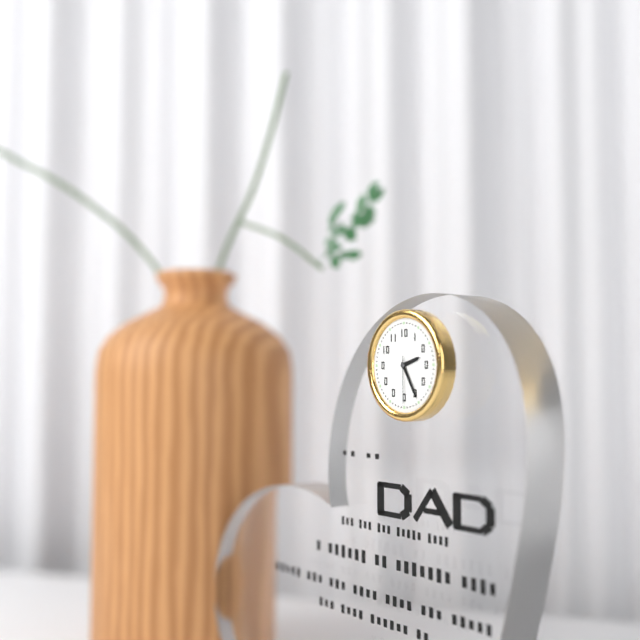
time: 2:25:30
